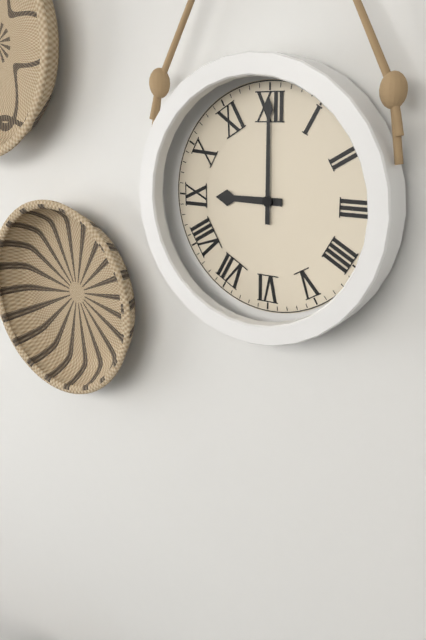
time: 9:00
